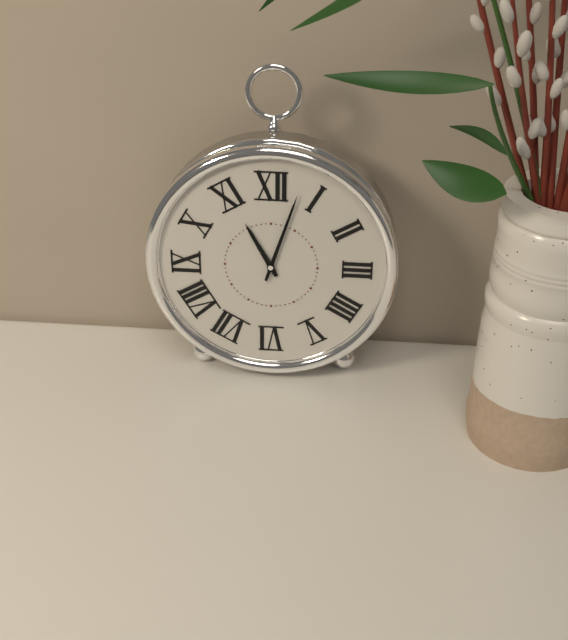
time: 11:03
